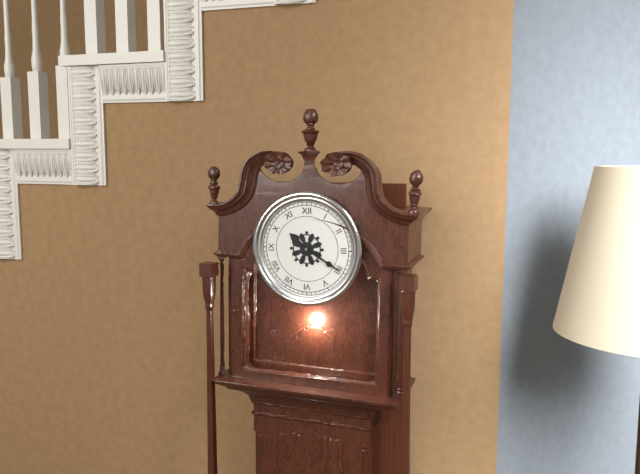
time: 10:20
